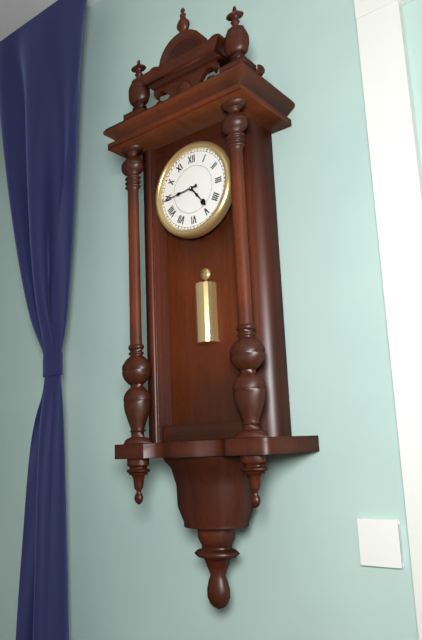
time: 4:44
